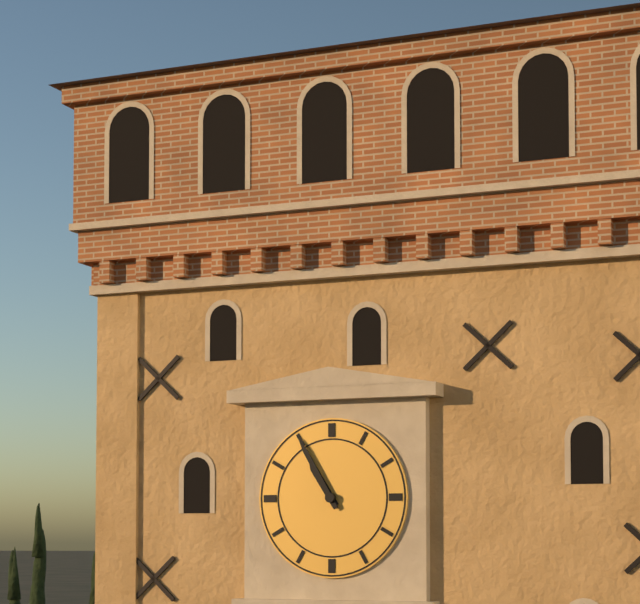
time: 10:55
